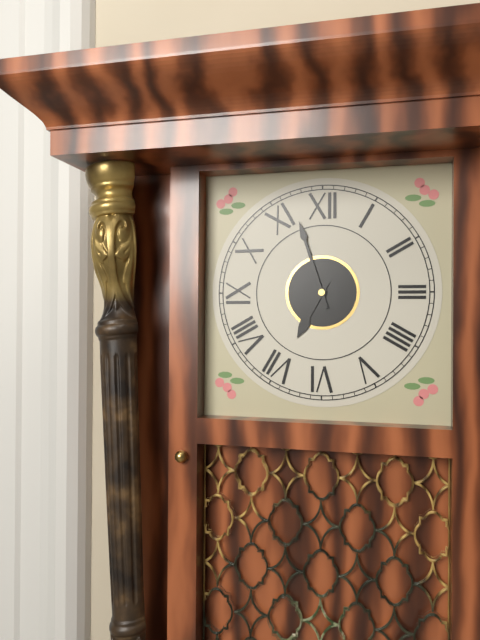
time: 6:57
